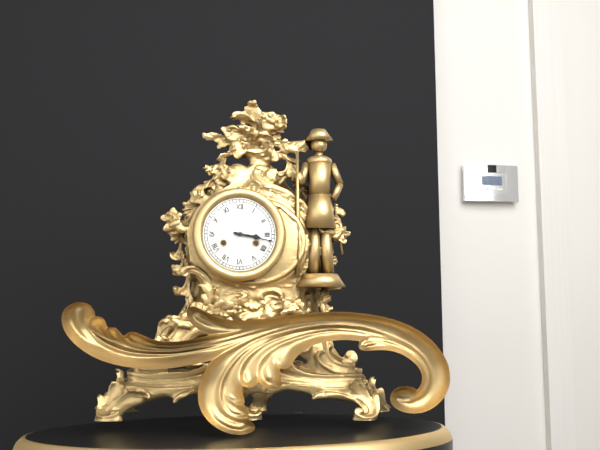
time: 3:17
